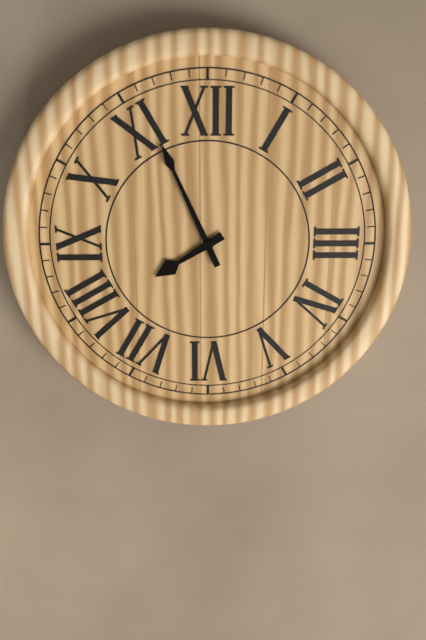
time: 7:56
